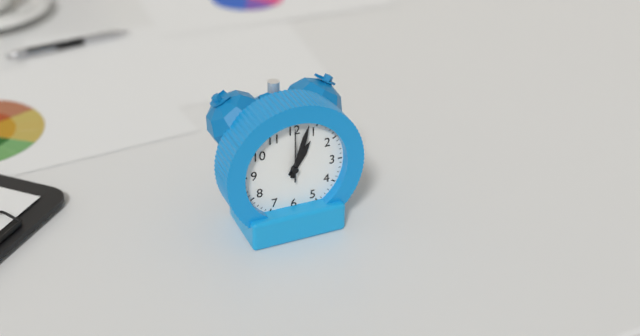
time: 1:03:00
